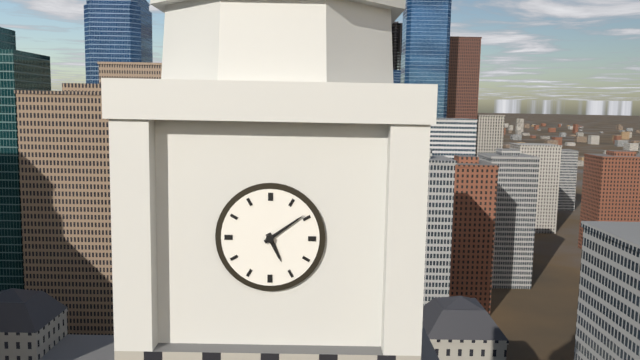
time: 5:09
